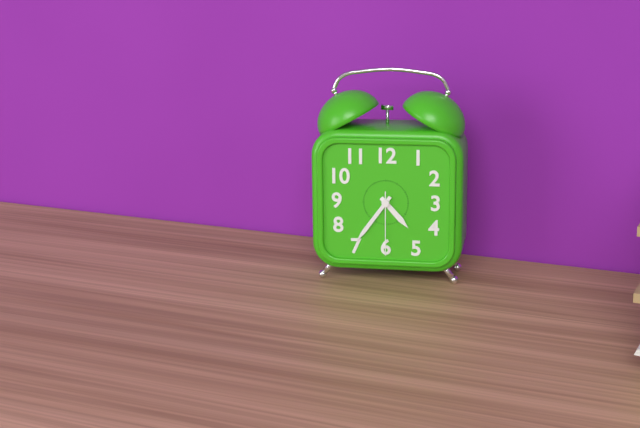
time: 4:36:30
